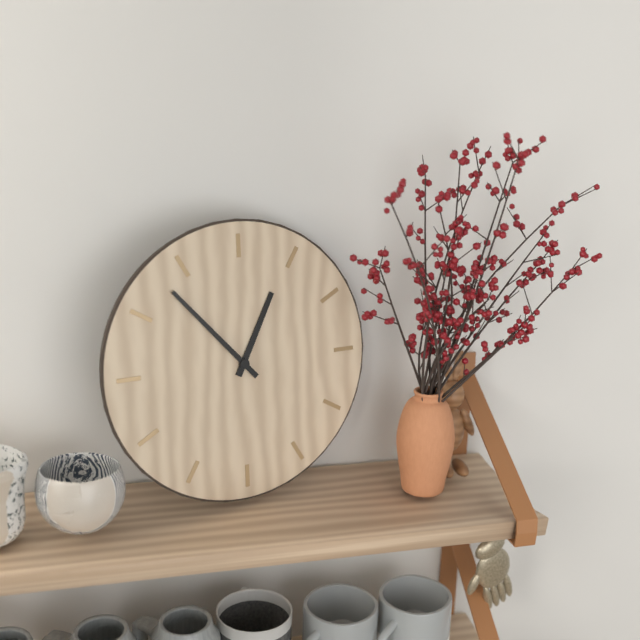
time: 12:53
